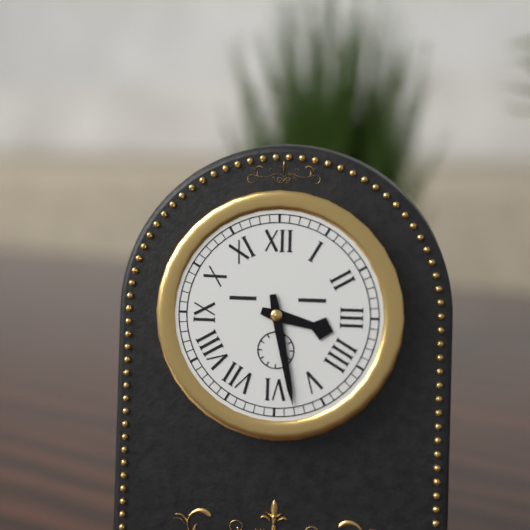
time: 3:28
